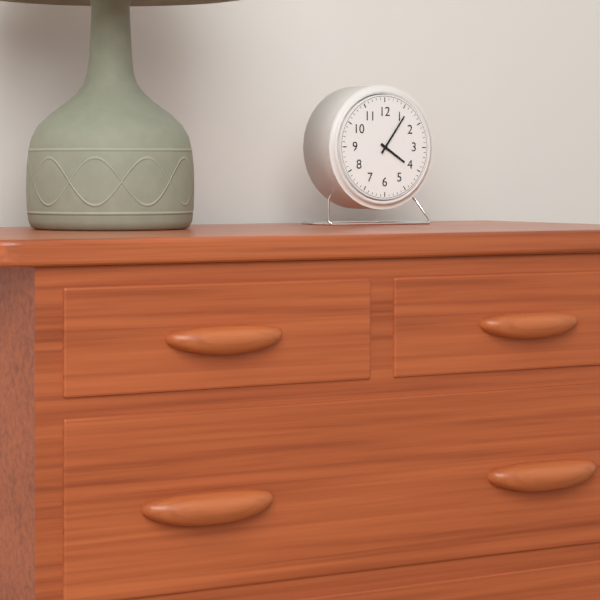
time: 4:06
